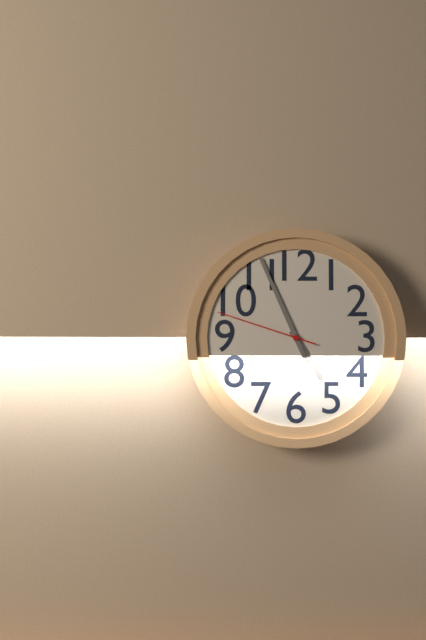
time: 4:56:48
